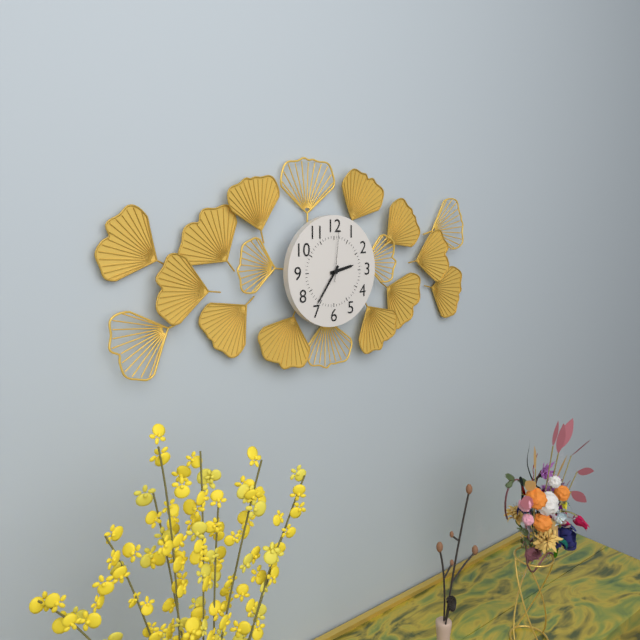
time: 2:36:01
